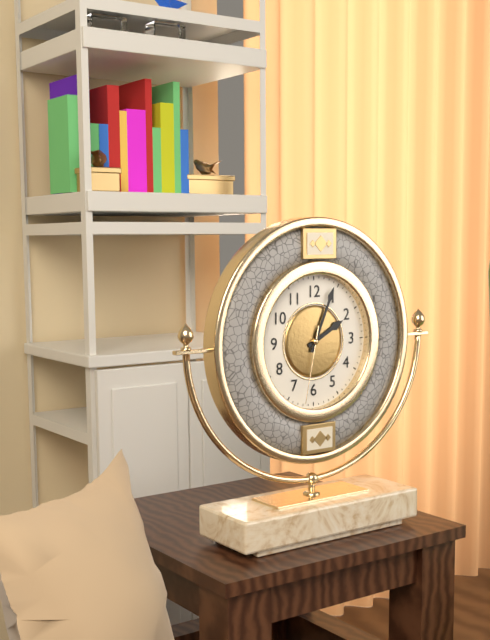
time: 2:04:32
